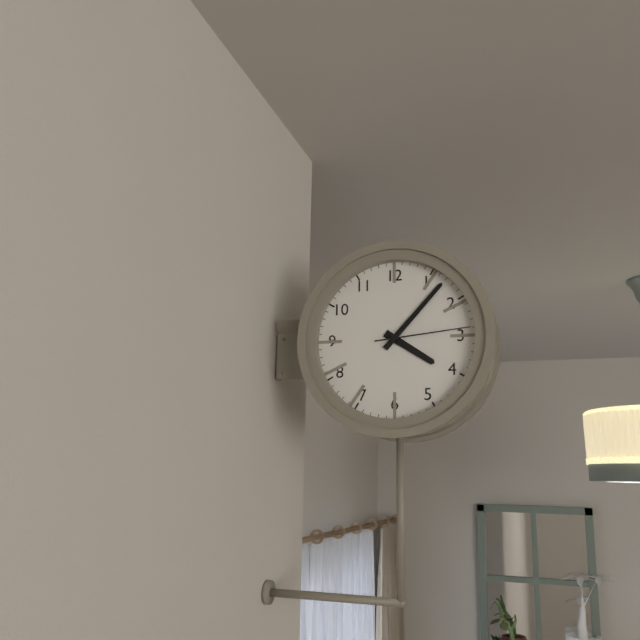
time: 4:07:14
